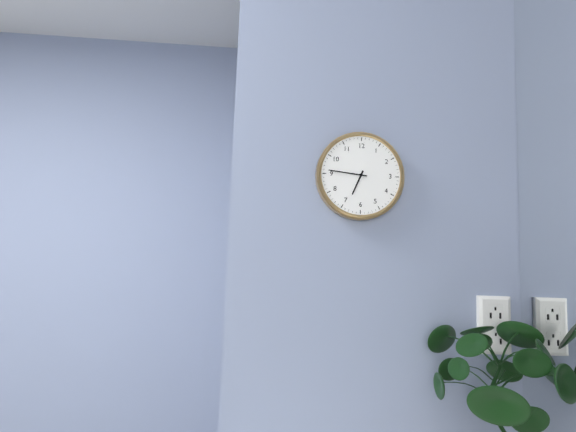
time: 6:46
